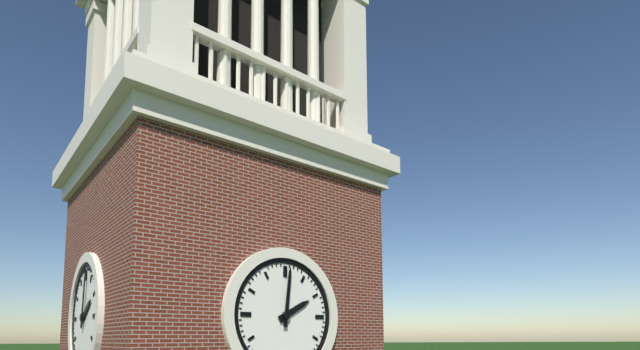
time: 2:01
